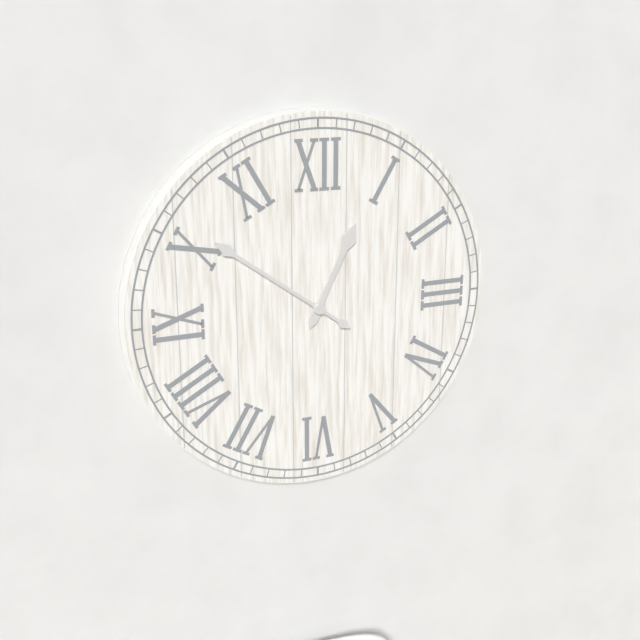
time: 12:51
